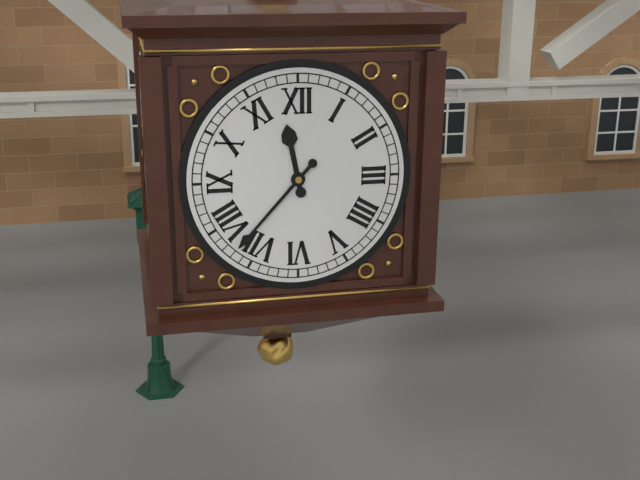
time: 11:37
